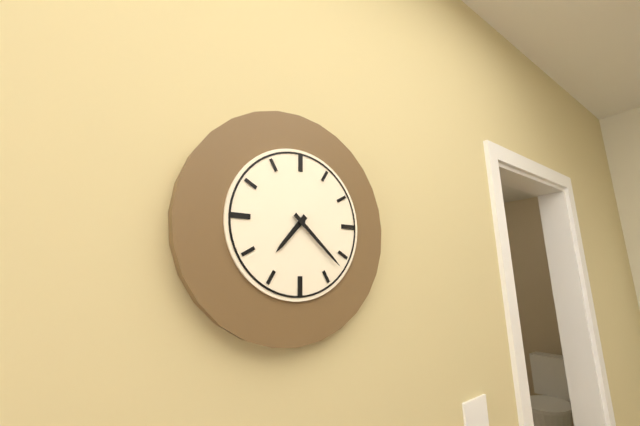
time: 7:22
